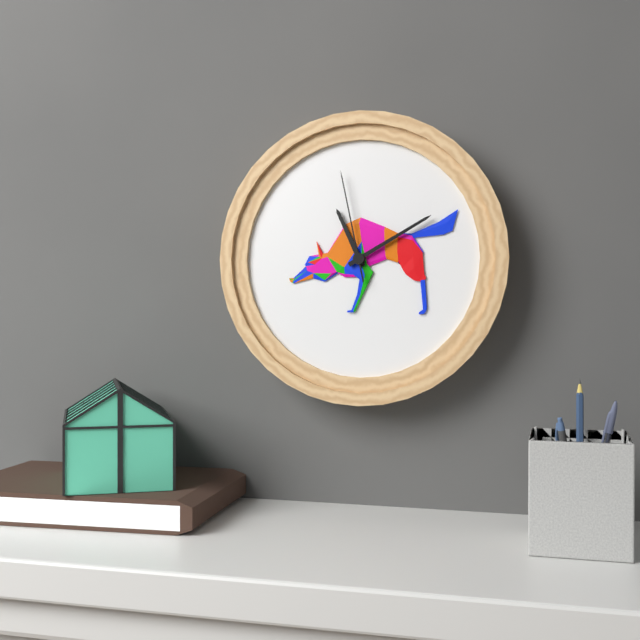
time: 11:10:58
